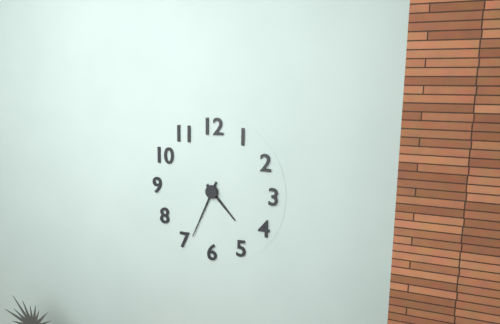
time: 4:34
